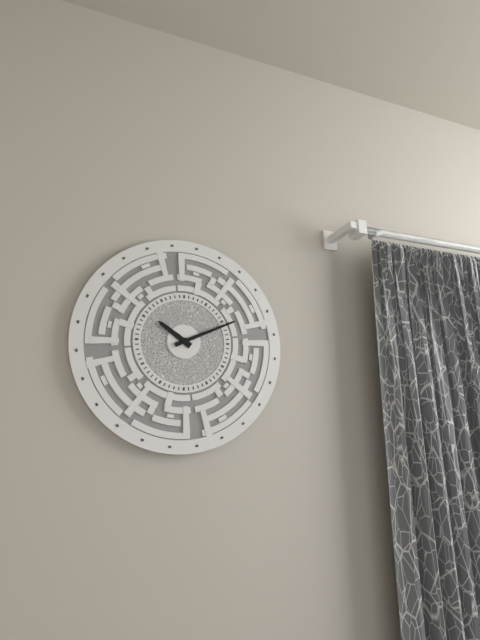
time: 10:11
